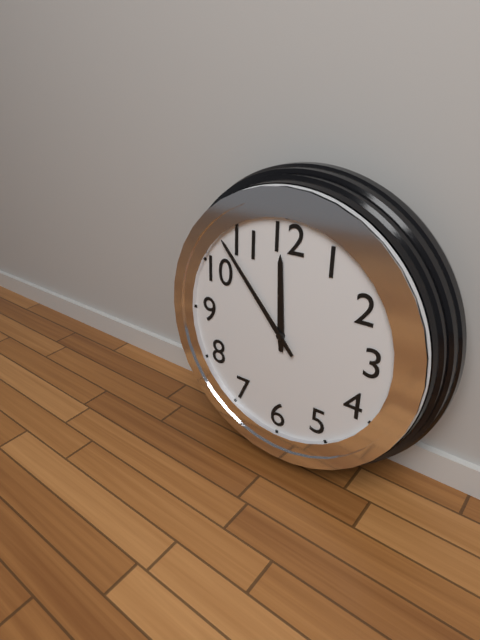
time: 11:53
